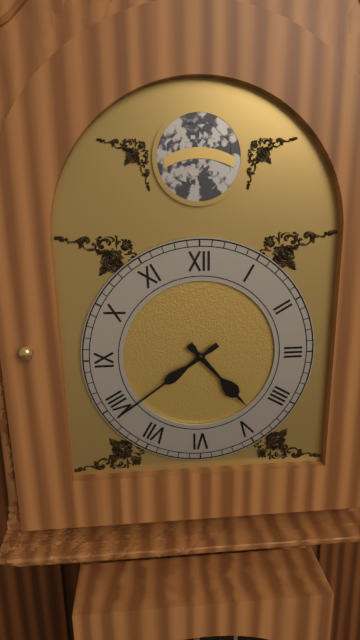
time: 4:39
